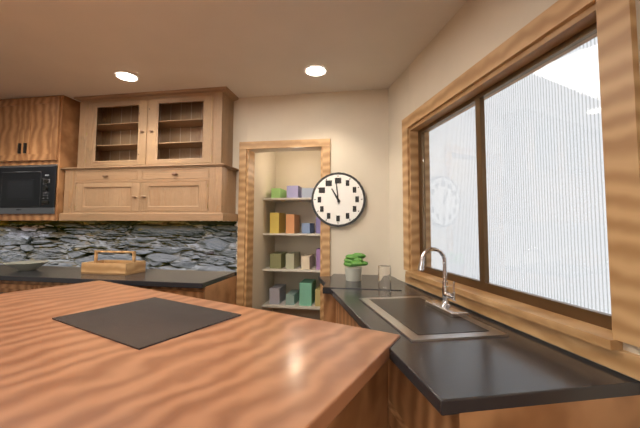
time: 10:59
